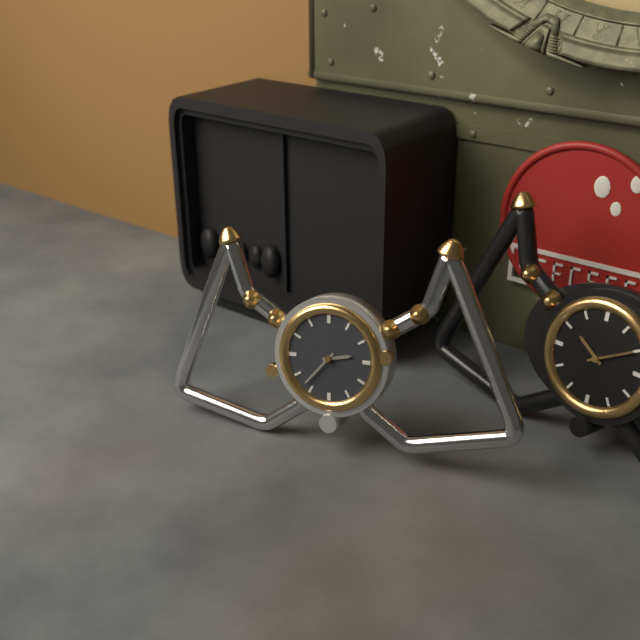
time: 2:37
